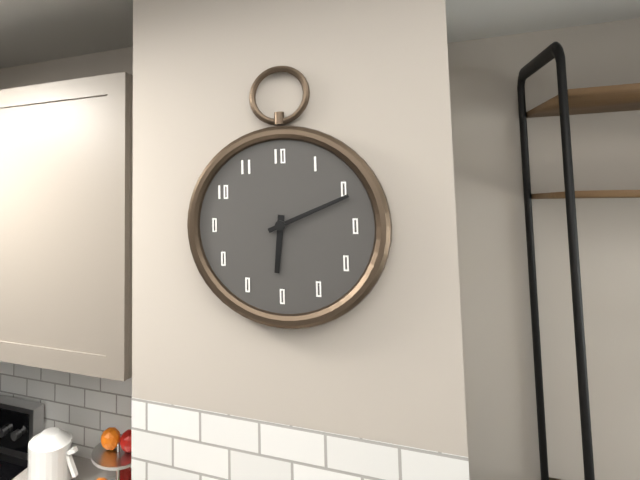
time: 6:11
